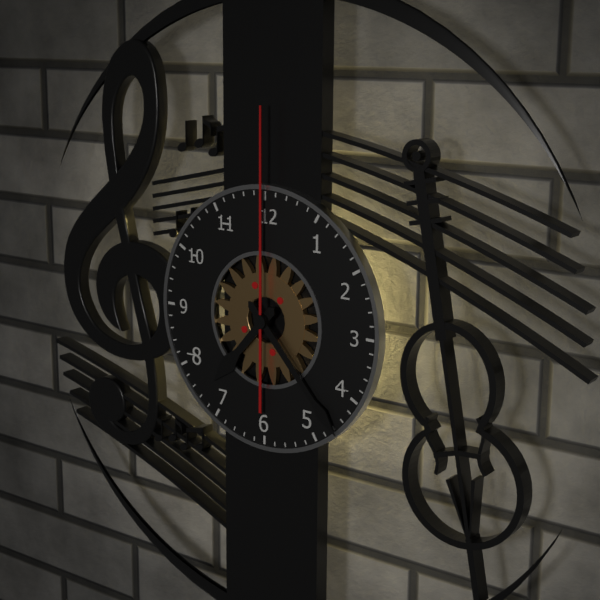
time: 7:23:00
